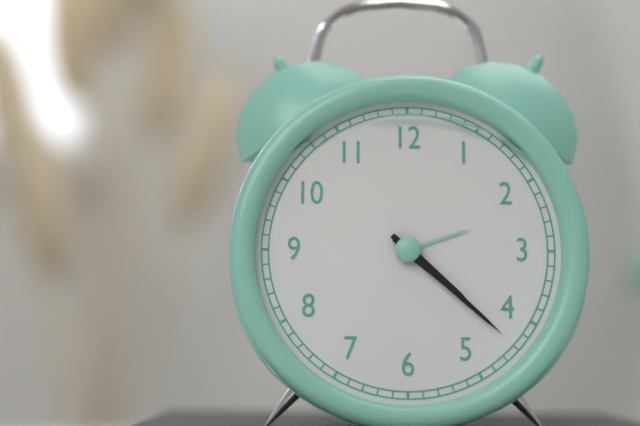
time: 4:22
